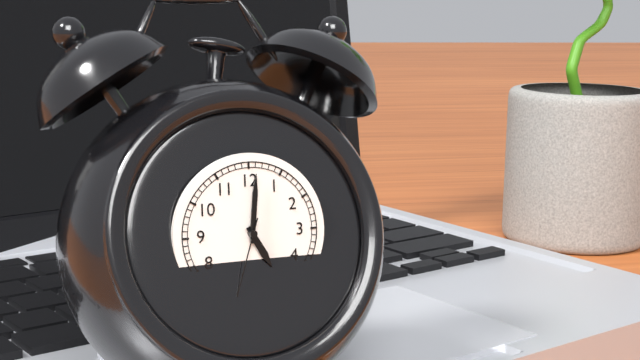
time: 5:01:33
